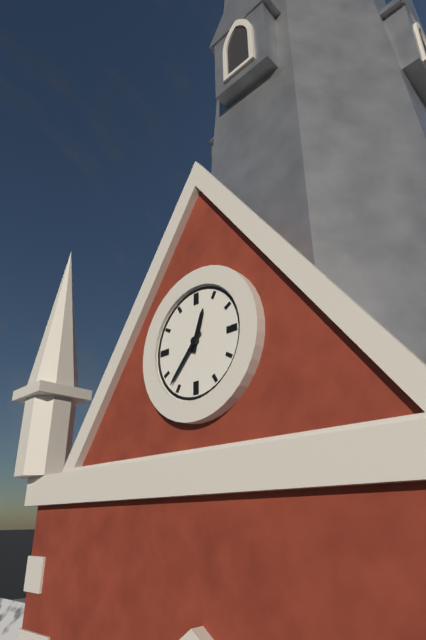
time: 12:37
